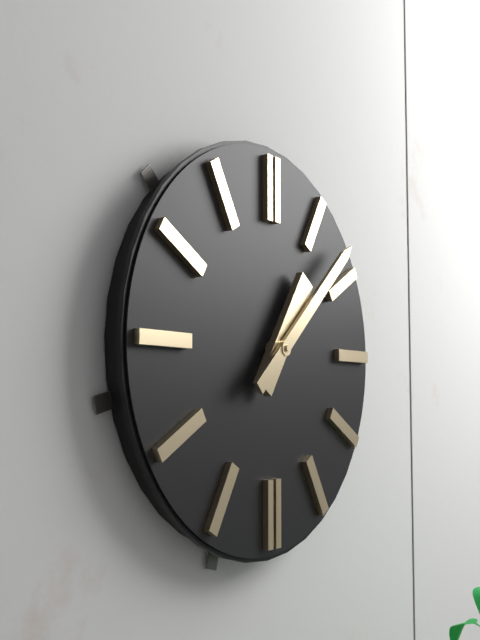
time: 1:08
